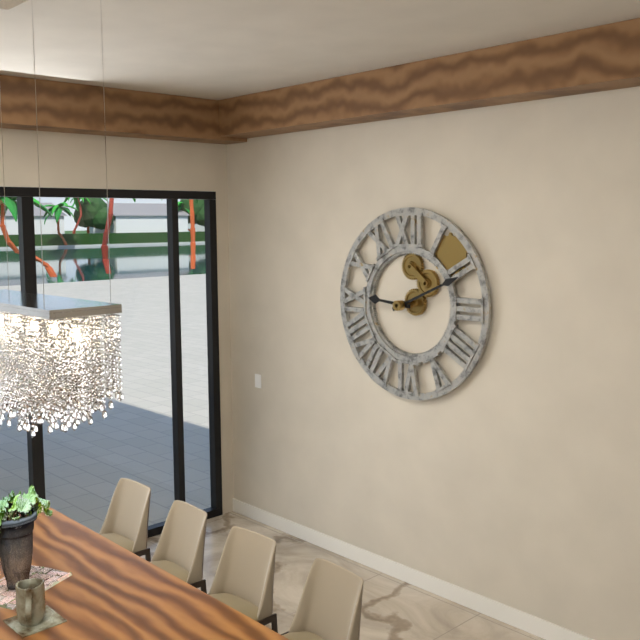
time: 9:11
